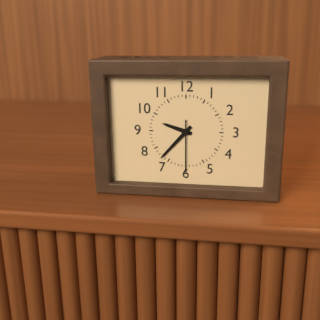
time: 9:37:30
